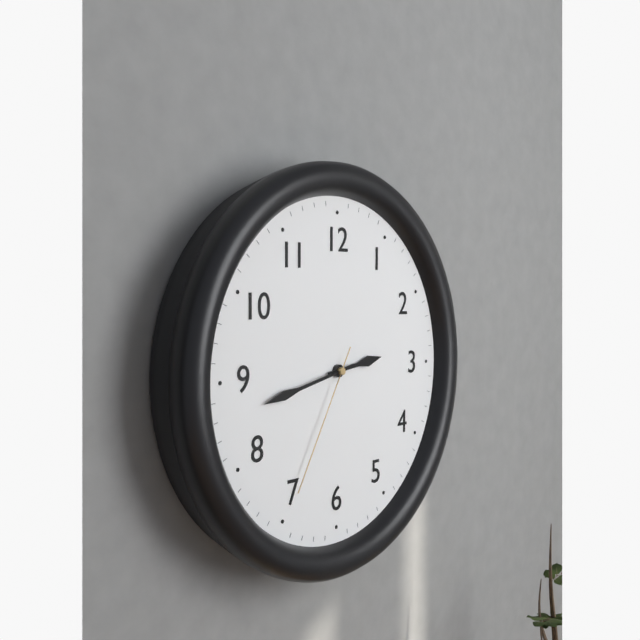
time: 2:43:35
